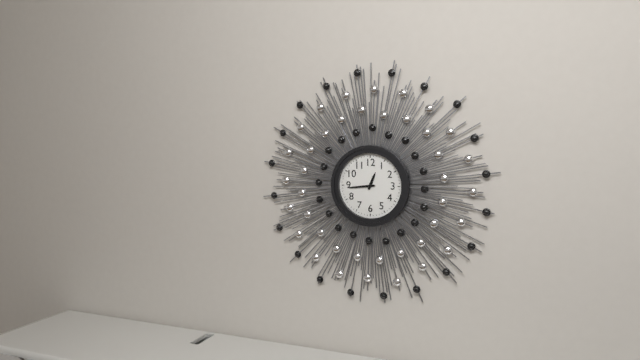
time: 12:44
